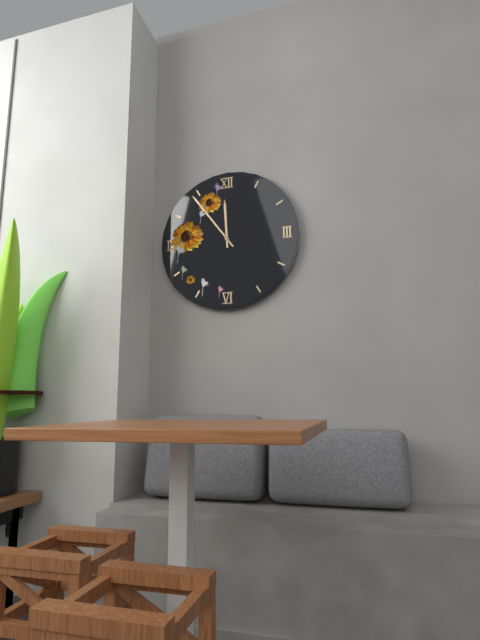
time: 11:54
